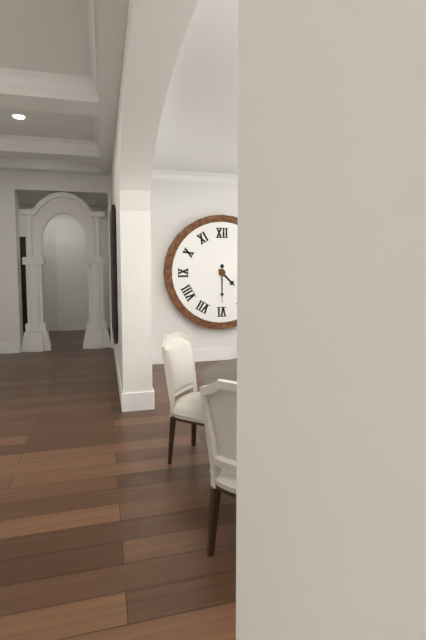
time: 4:30
